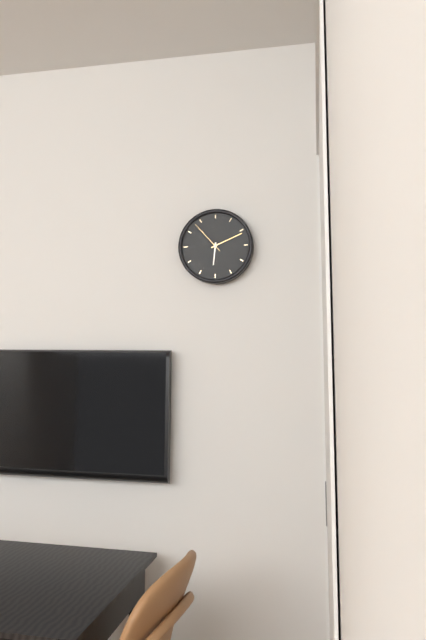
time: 6:11
